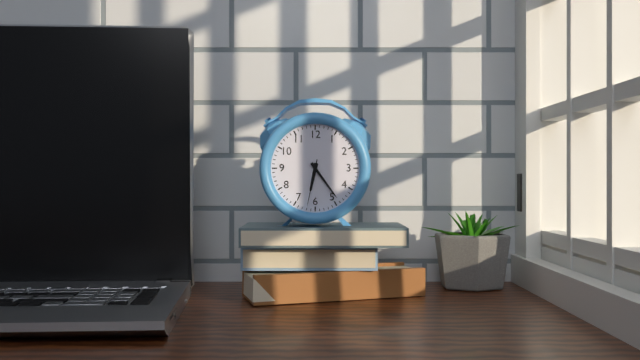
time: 6:24
